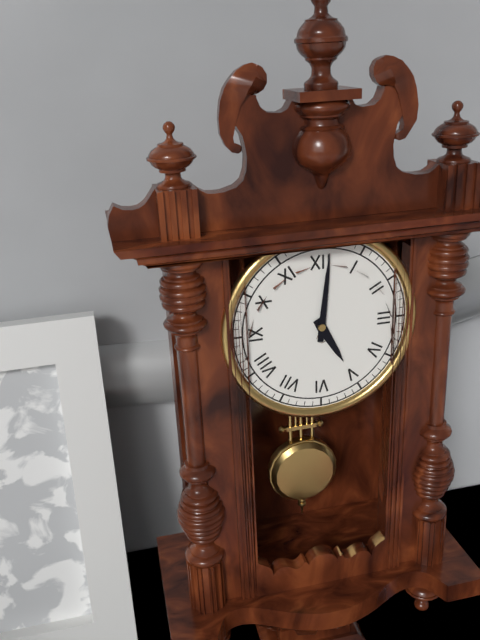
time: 5:01
